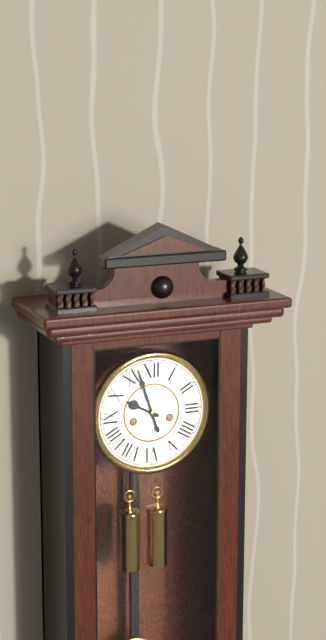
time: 9:57
